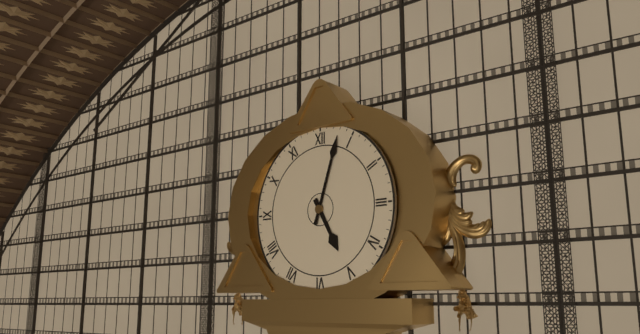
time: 5:03
